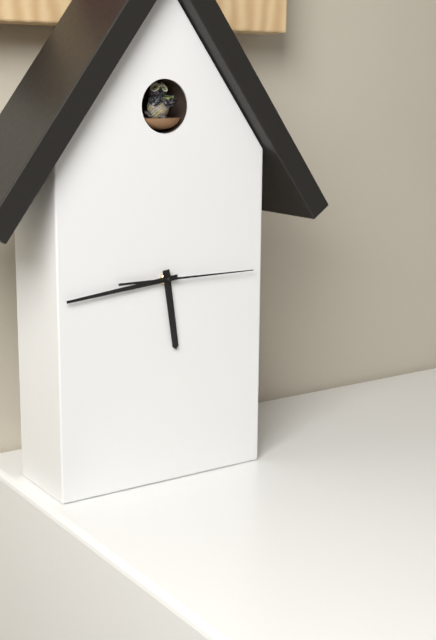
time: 5:44:15
